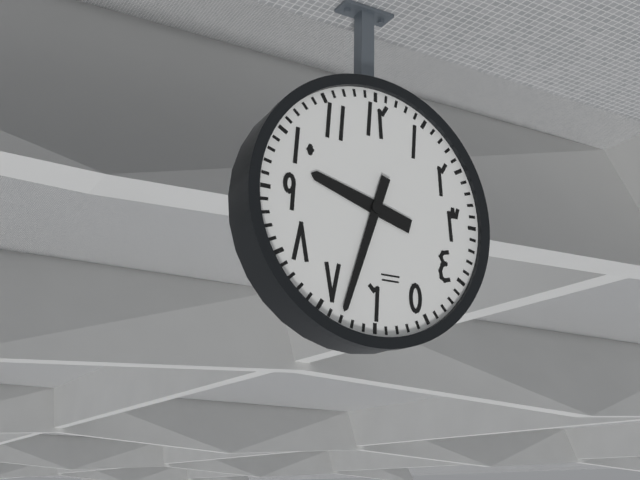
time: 9:33
